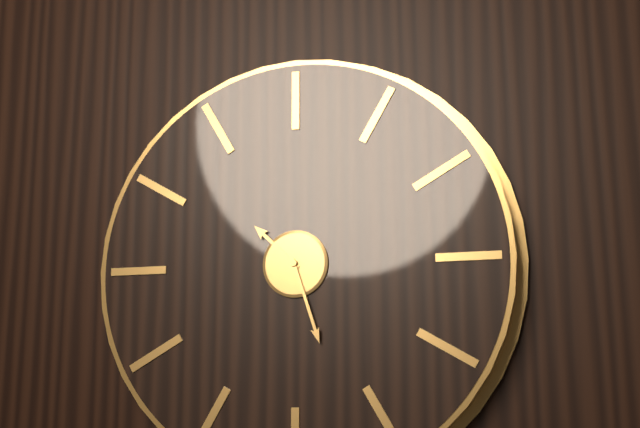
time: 10:27
